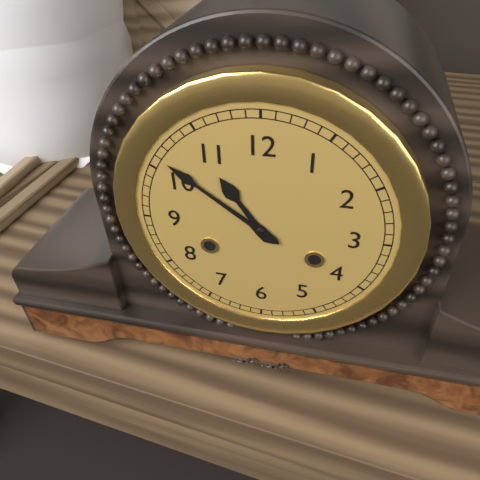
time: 10:51
